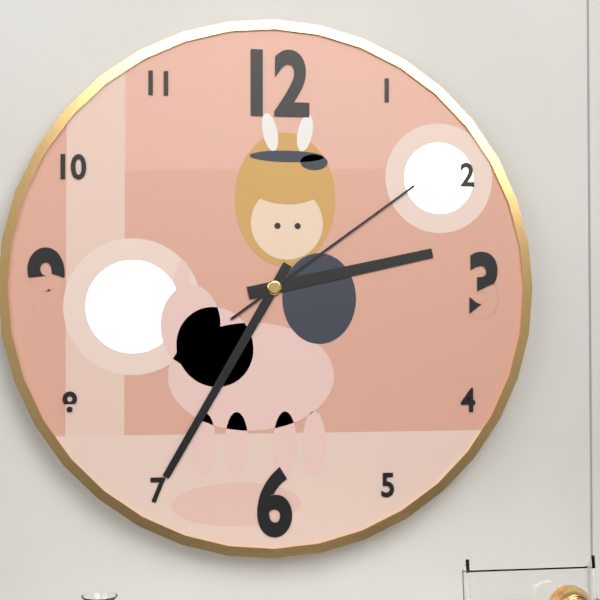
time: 2:35:09
